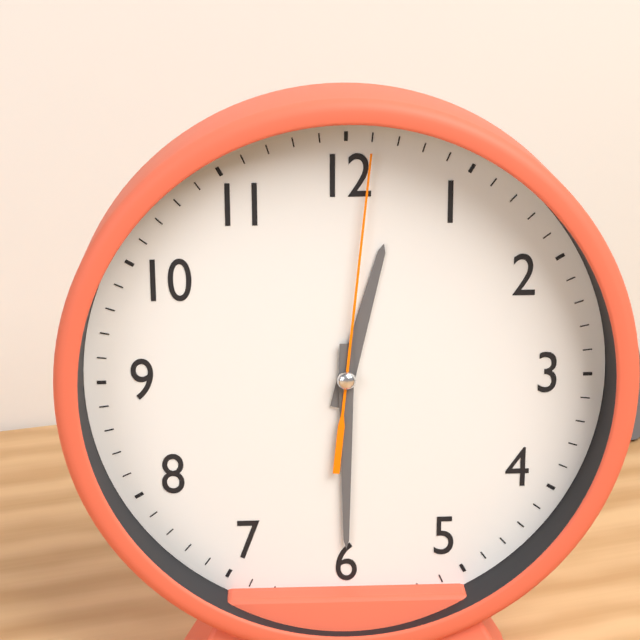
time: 12:30:01
